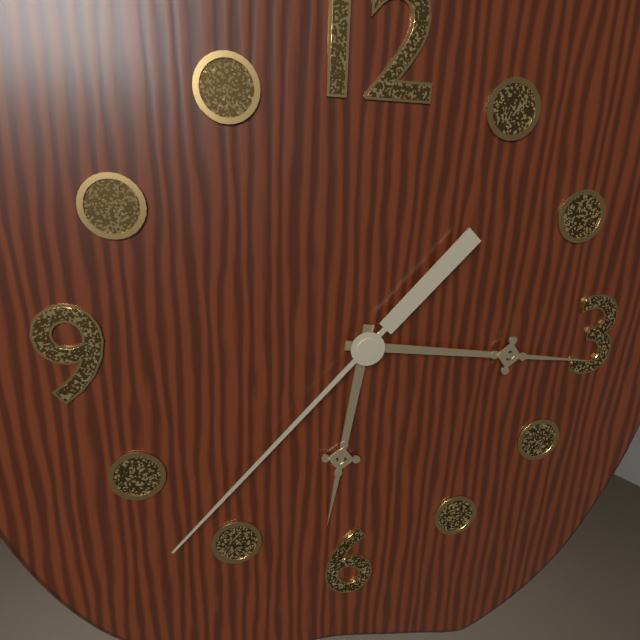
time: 6:16:37
